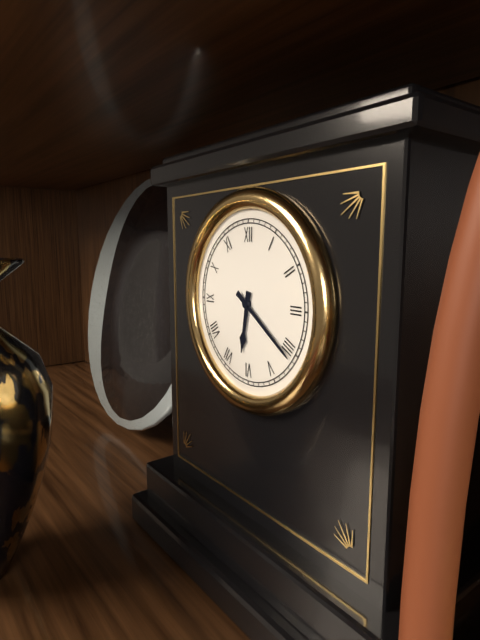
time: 6:21
